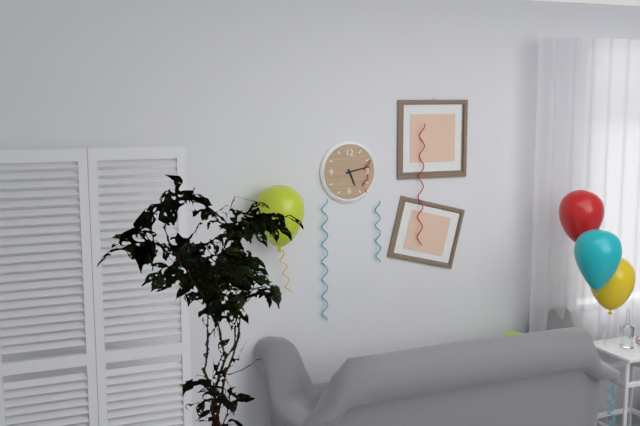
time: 5:13
